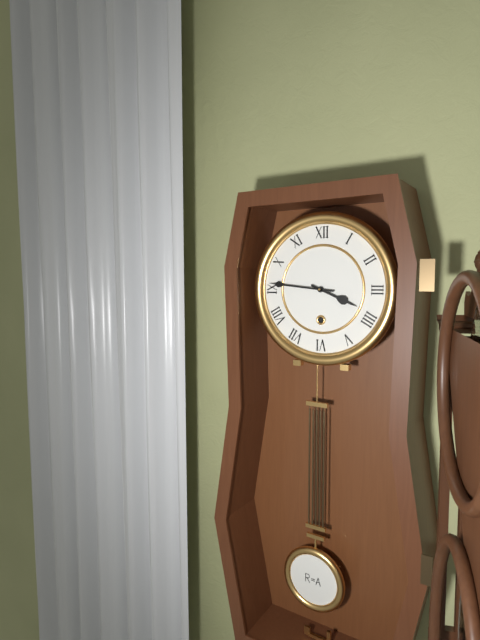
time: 3:46
